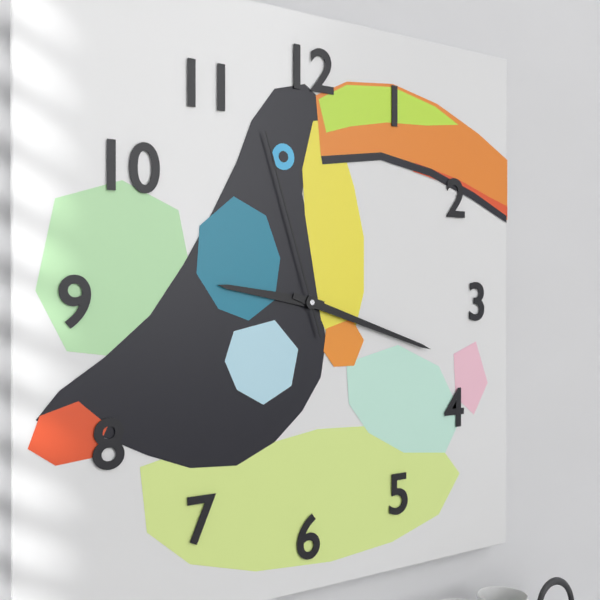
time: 9:18:57
